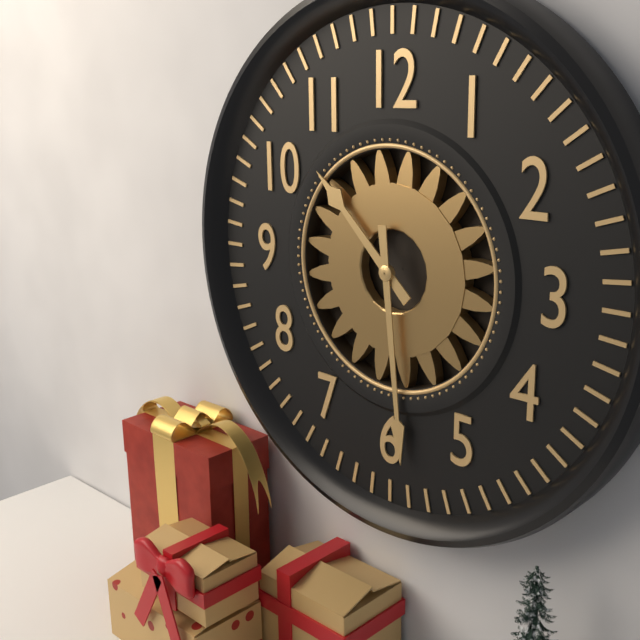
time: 10:29
